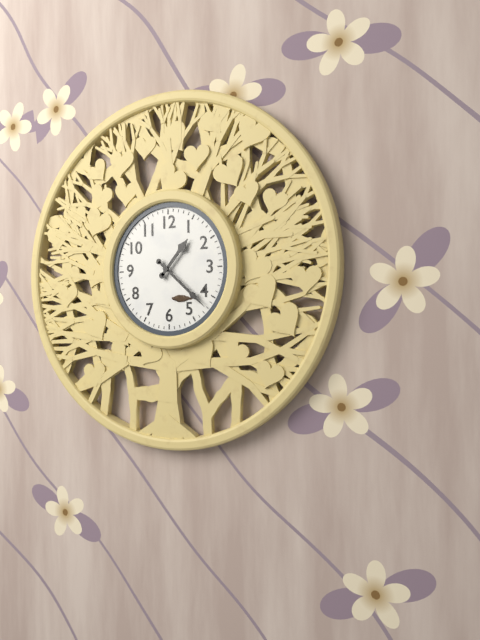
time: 1:22
